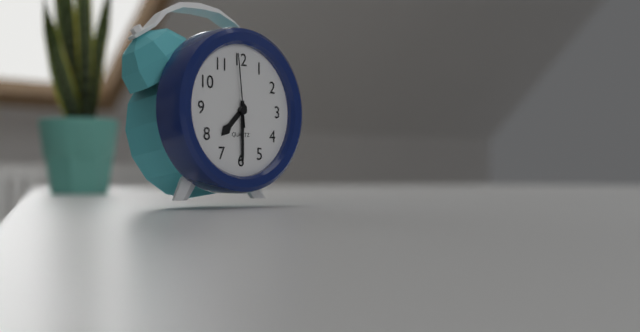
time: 7:30:59
